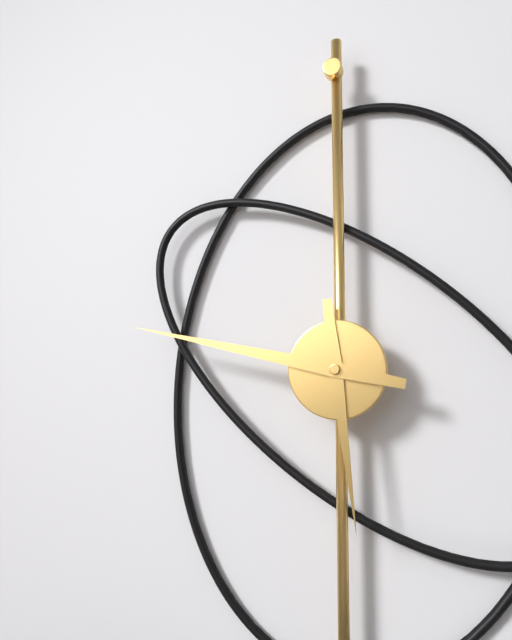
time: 5:47
